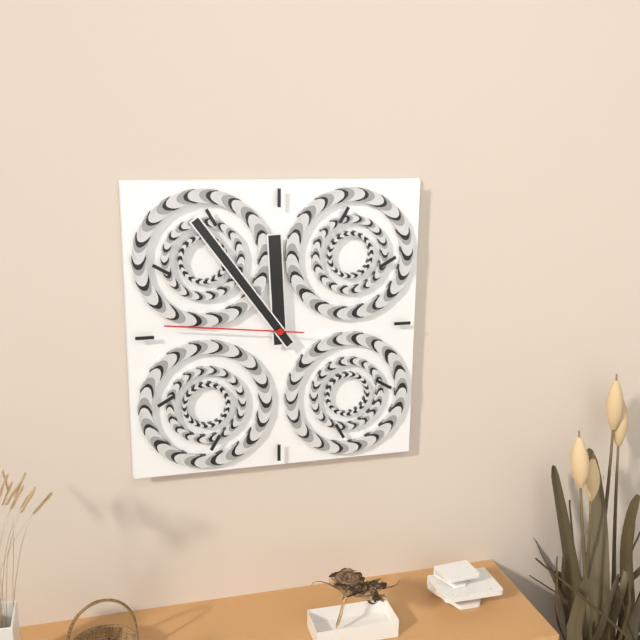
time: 11:54:46
